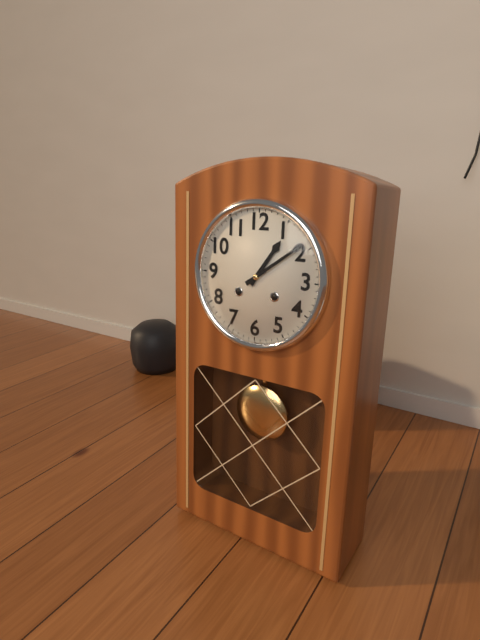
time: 1:09
